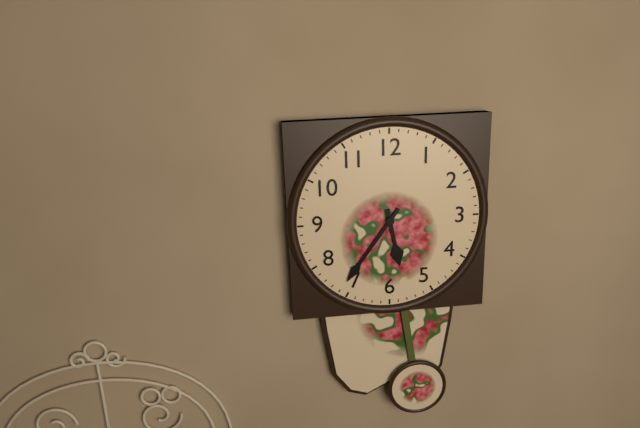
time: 5:36
